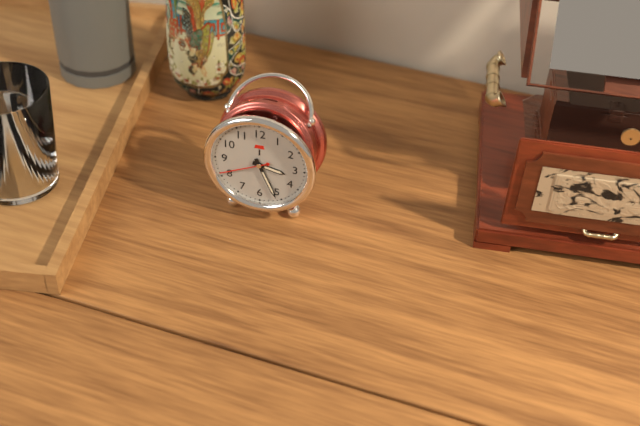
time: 3:26
